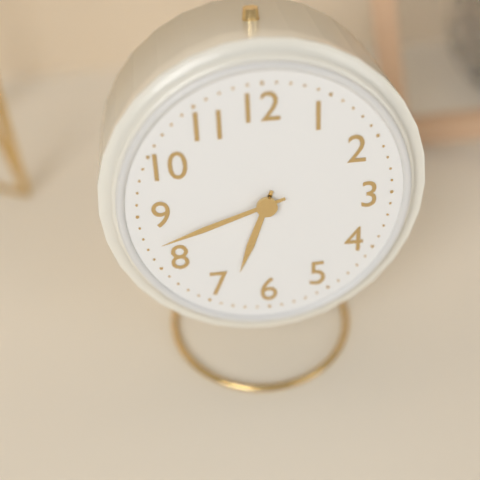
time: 6:42
